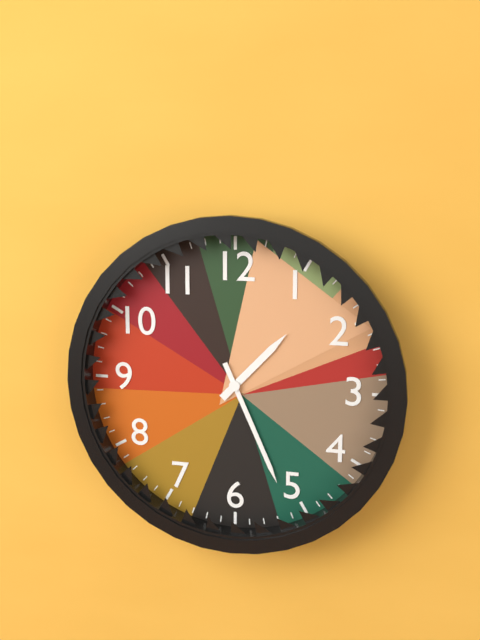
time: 1:26
